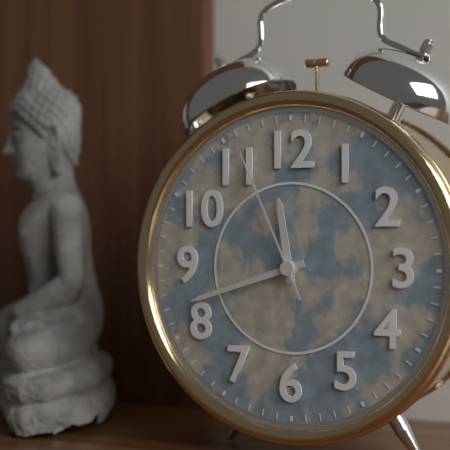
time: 11:42:56
